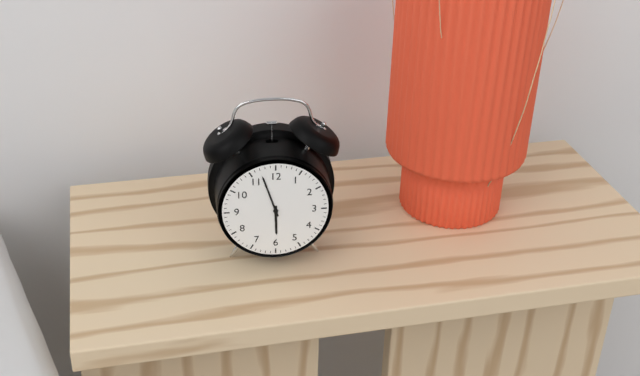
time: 5:57
